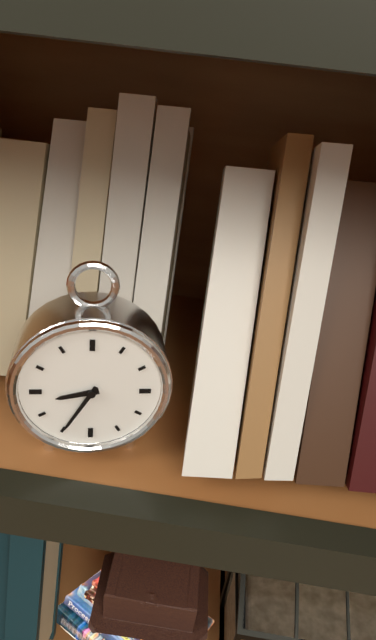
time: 8:35
